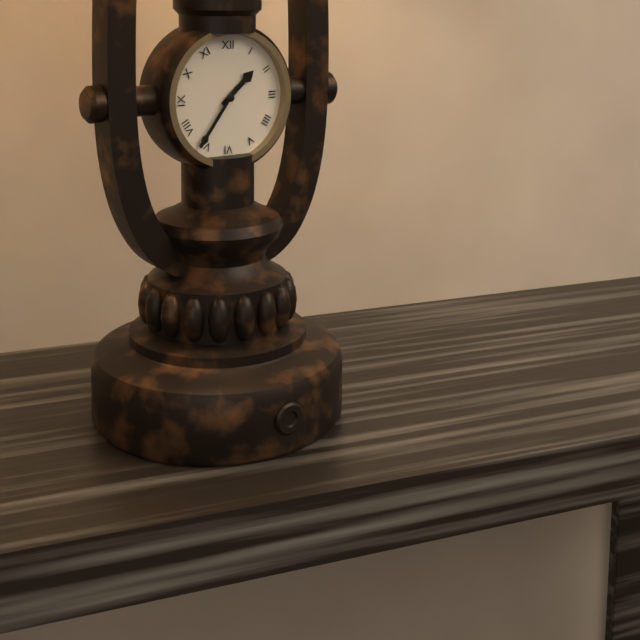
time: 1:36
